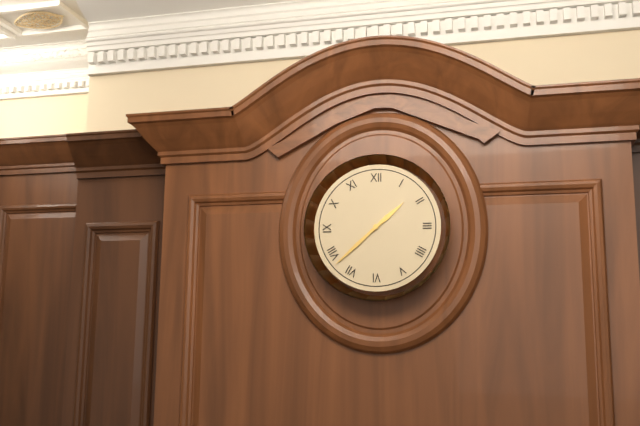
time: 1:38
